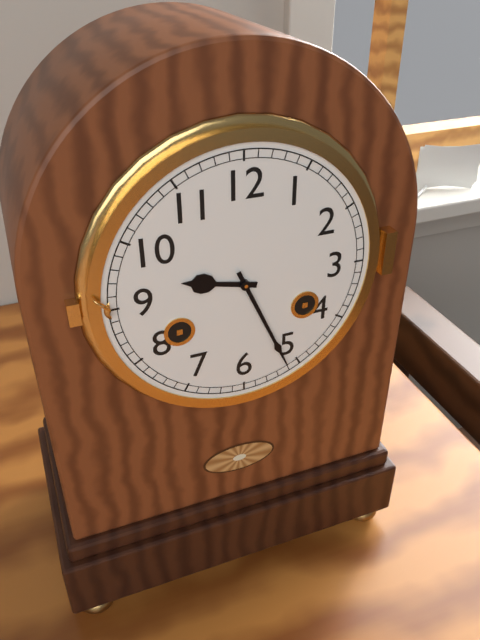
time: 9:26
